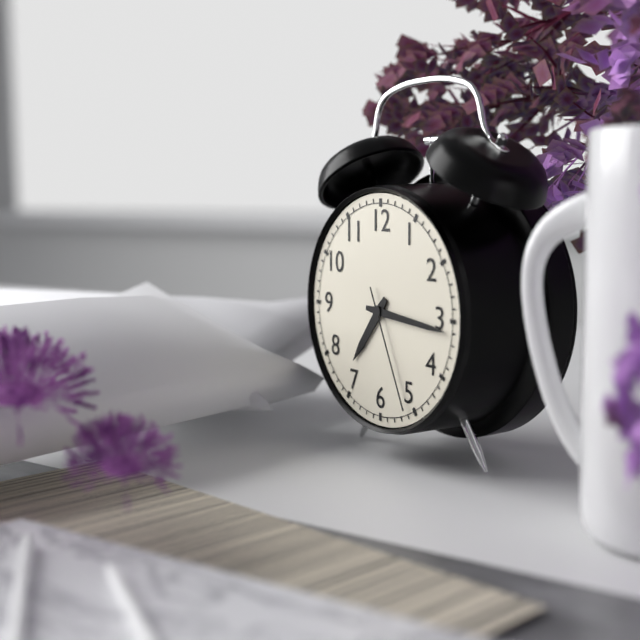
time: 7:16:26
